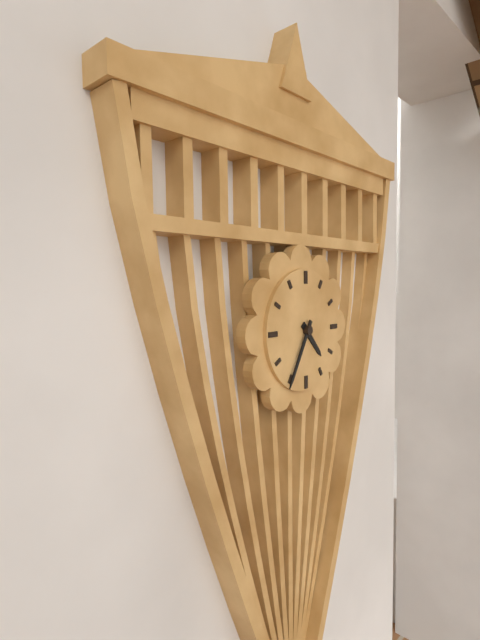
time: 4:35
